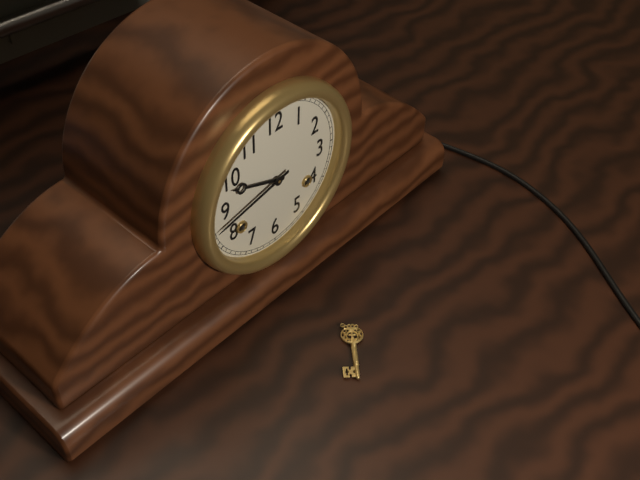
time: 9:43
